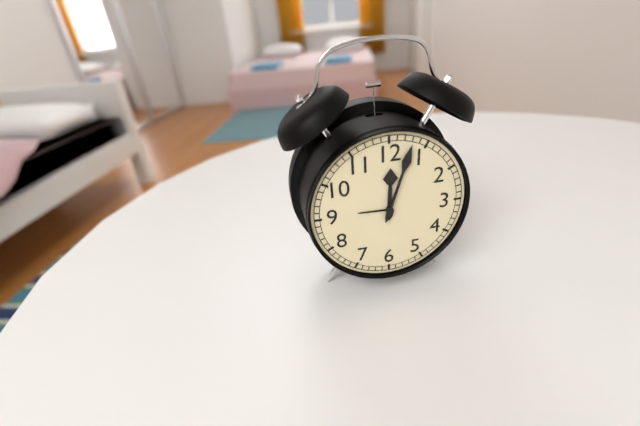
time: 12:03
